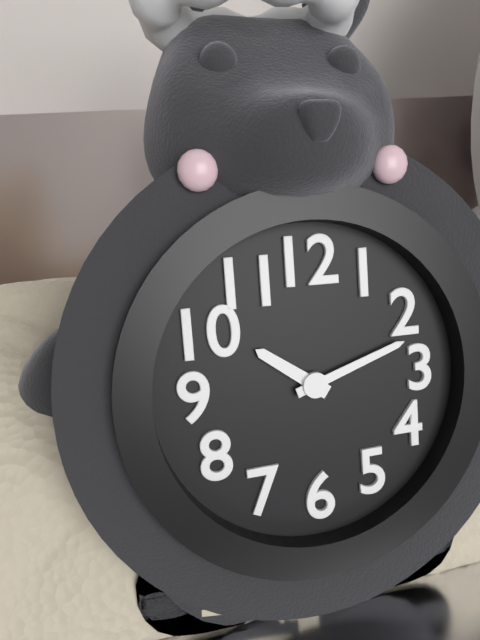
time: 10:12
